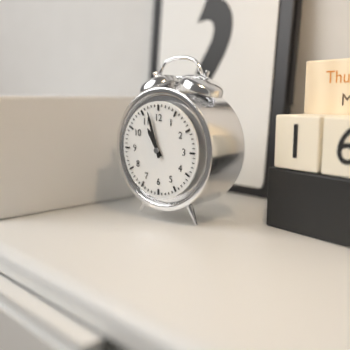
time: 10:57
